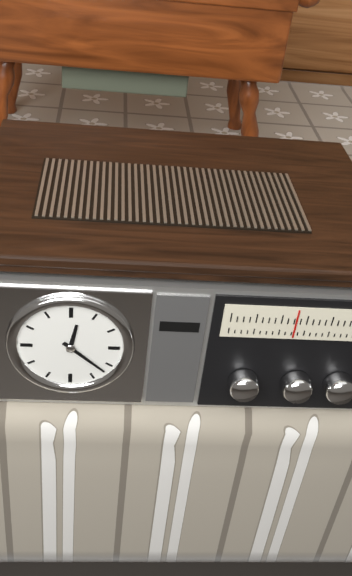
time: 12:22
